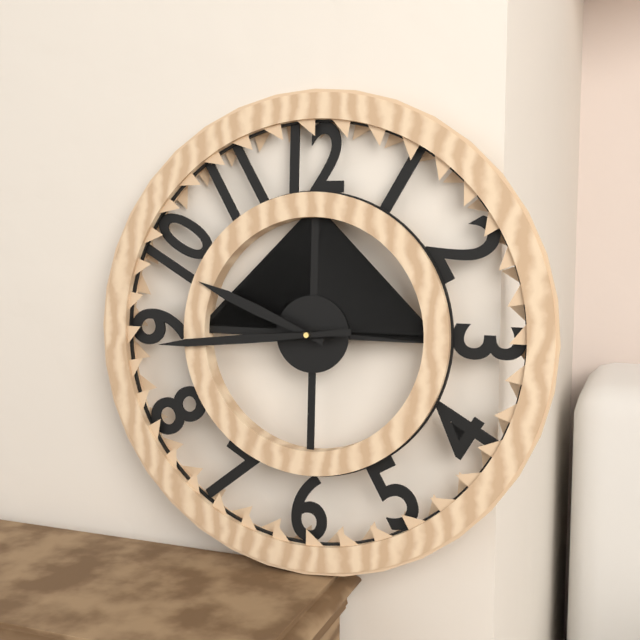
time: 9:44
